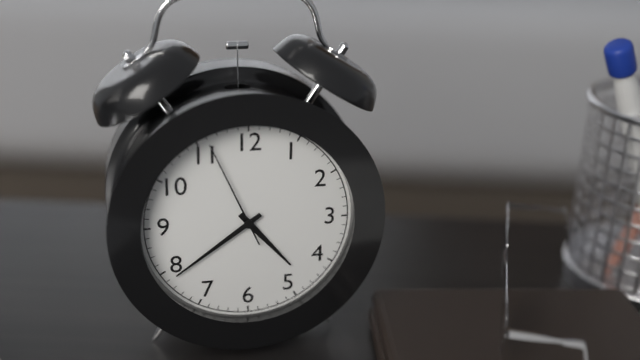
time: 4:39:56
